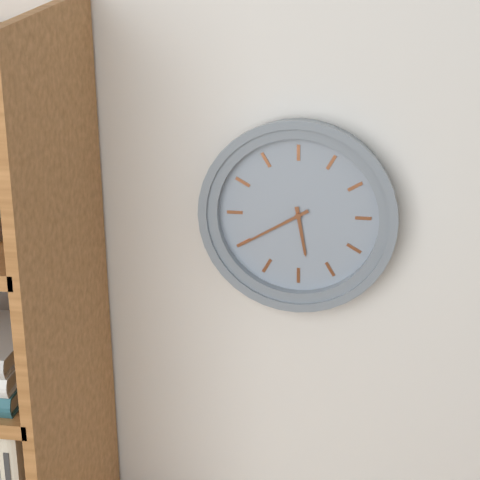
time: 5:40
